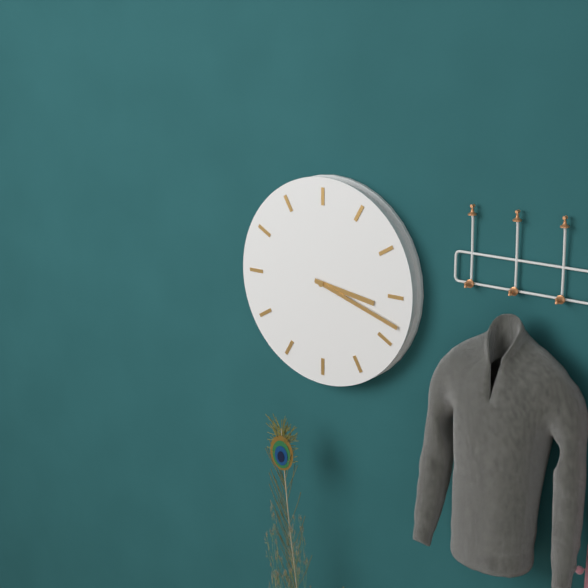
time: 3:18
